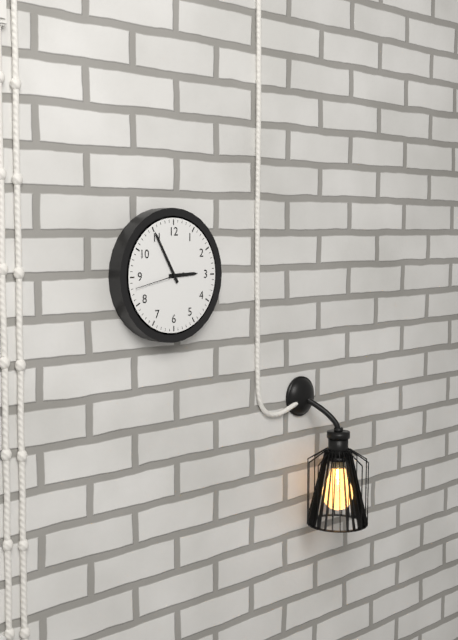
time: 2:55:43
